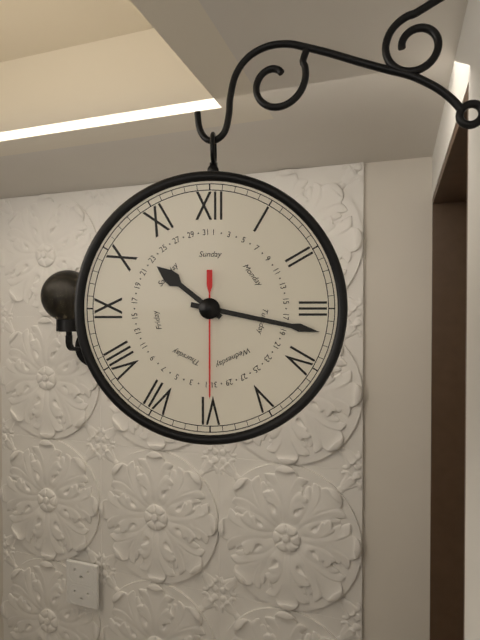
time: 10:17:30
